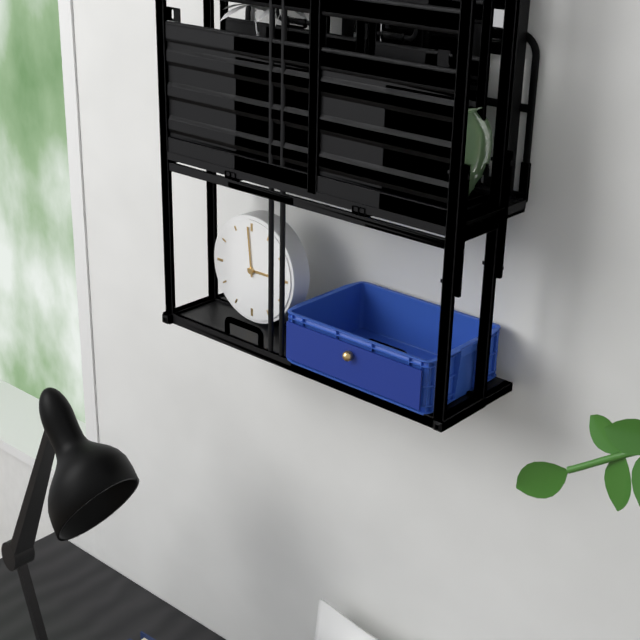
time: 2:59
